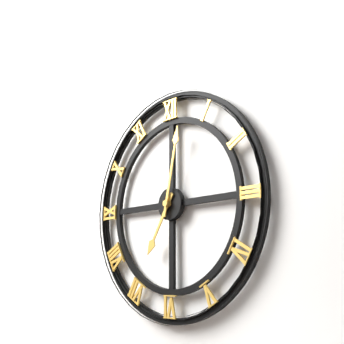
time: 7:02
